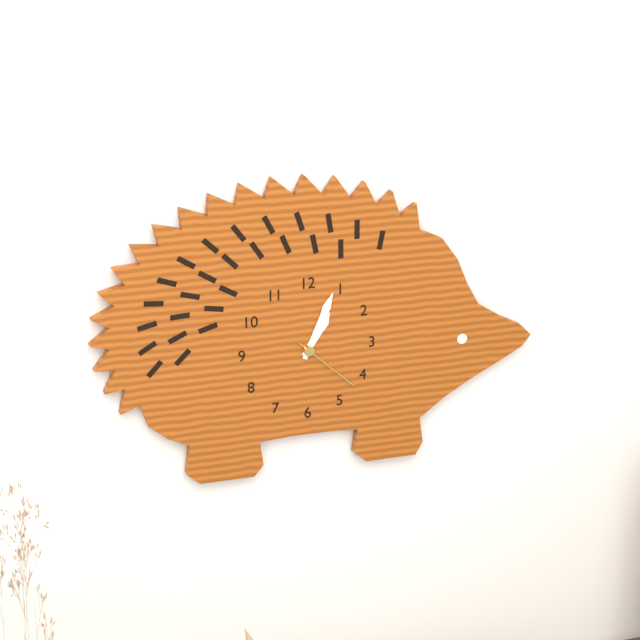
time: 1:04:22
